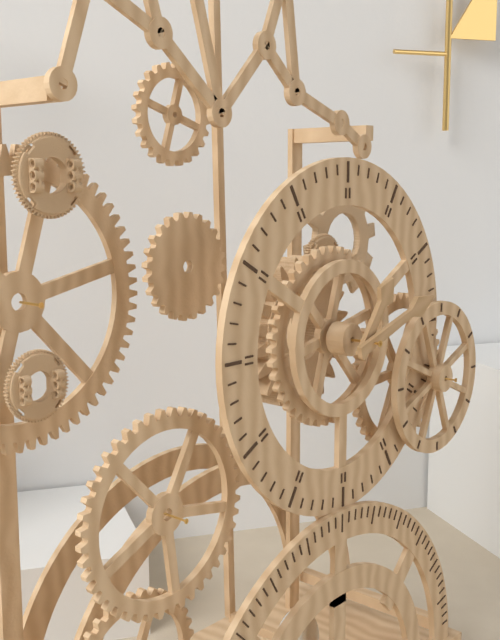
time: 1:12
